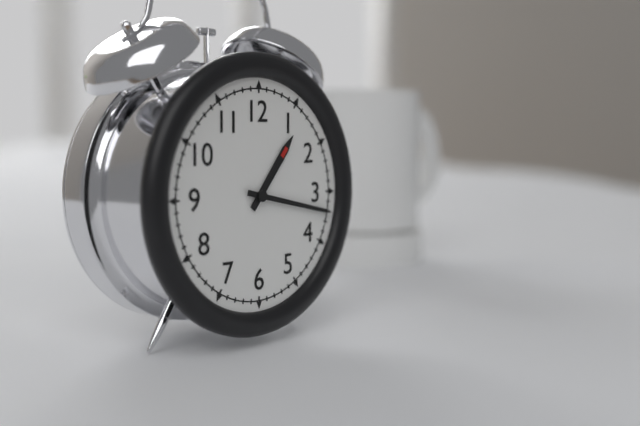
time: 1:17
